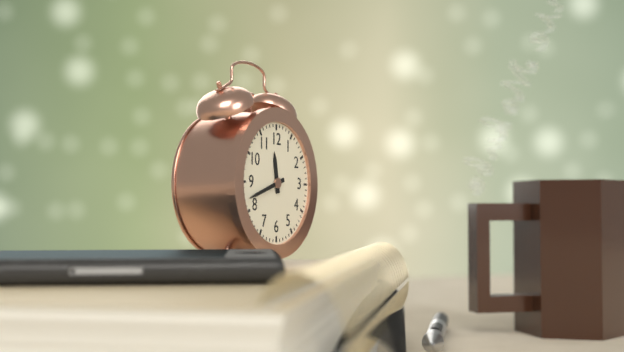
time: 11:42
